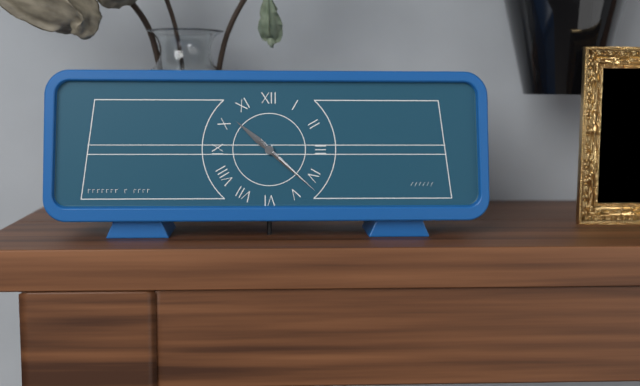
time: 10:22
